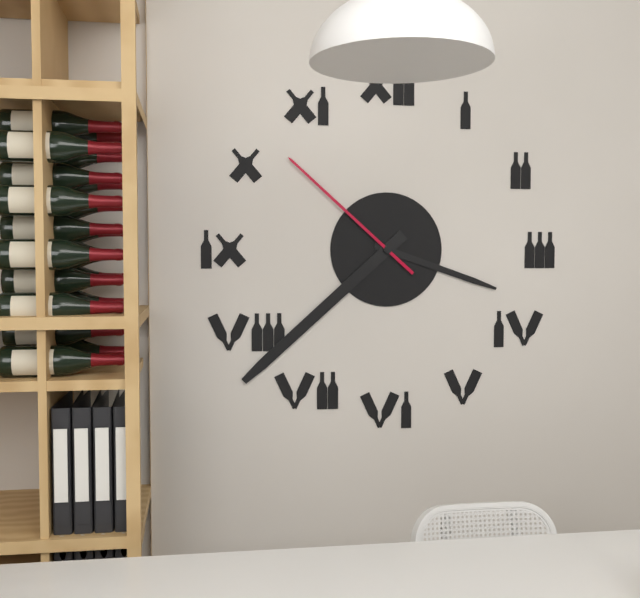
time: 3:38:52
